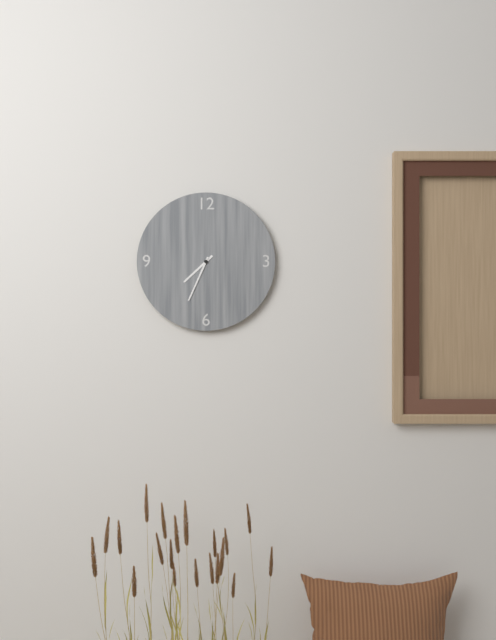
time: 7:34
